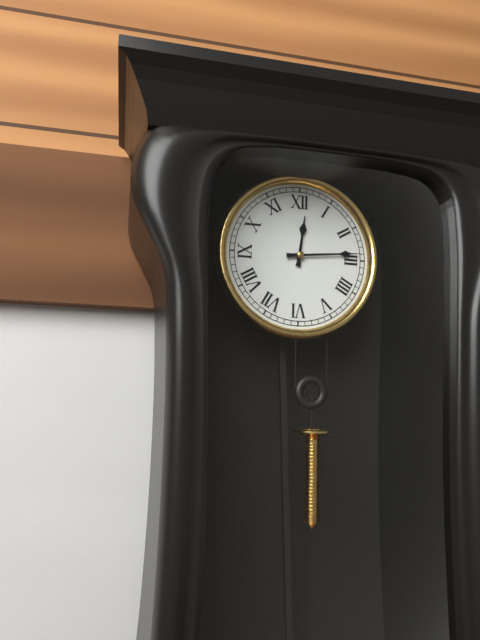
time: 12:14
